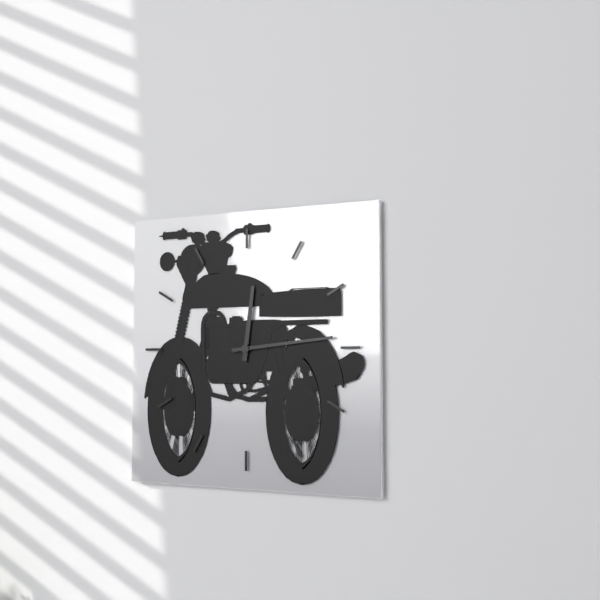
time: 12:14
